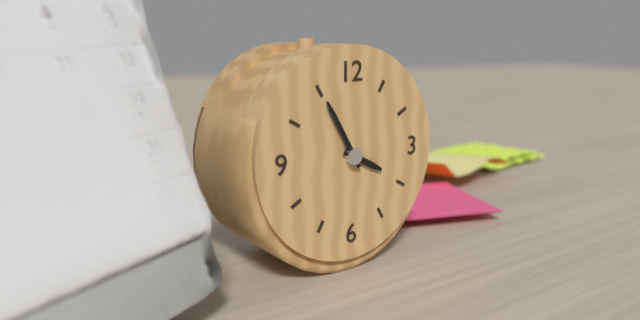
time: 3:55
